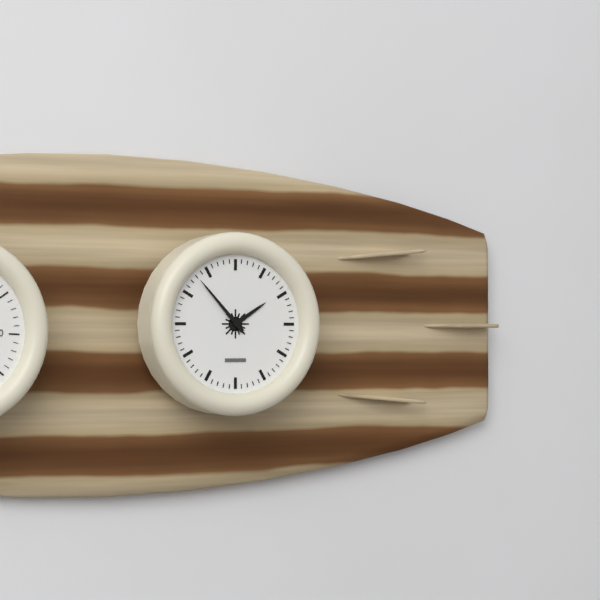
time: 1:53
